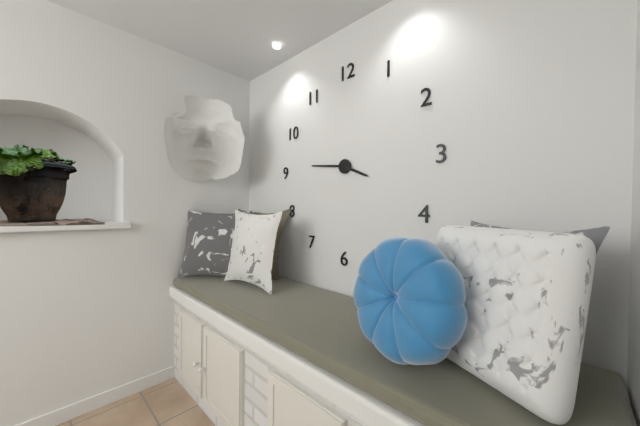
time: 3:46
